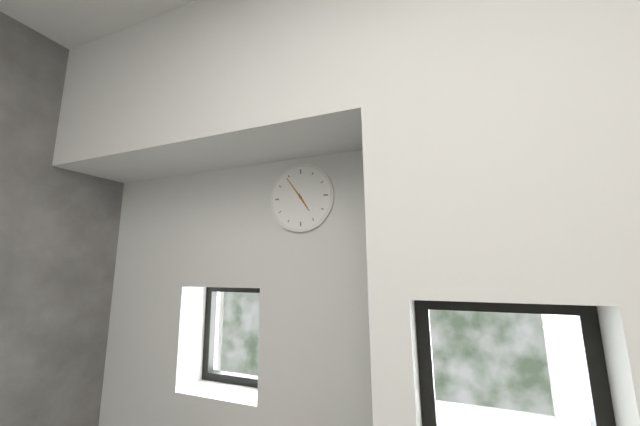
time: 4:54
